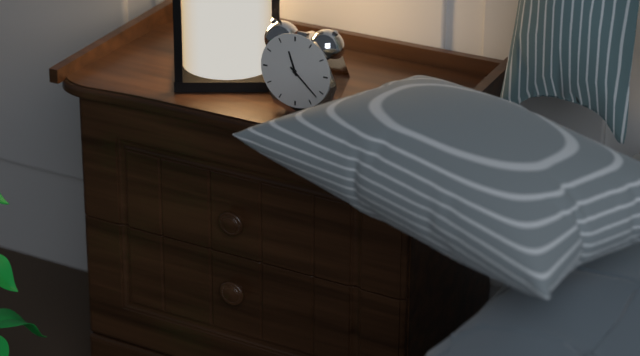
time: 11:22
